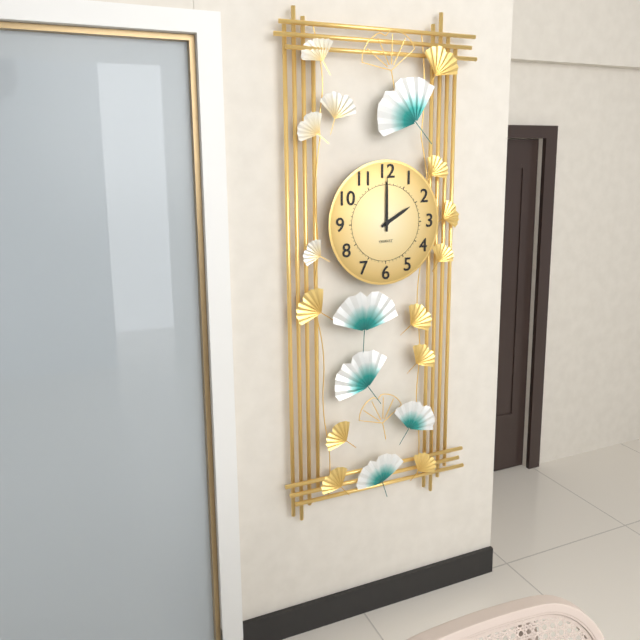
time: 2:00
